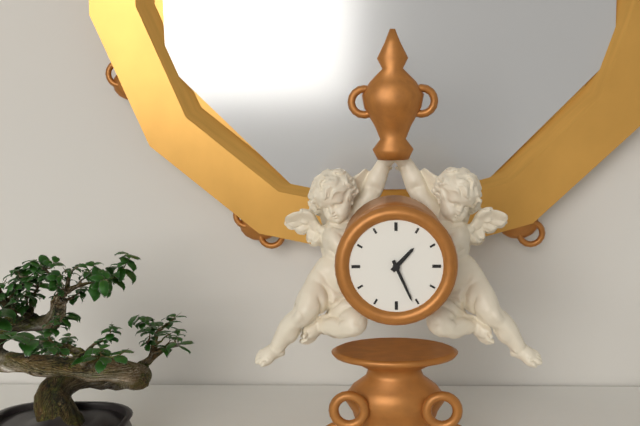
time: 1:26
